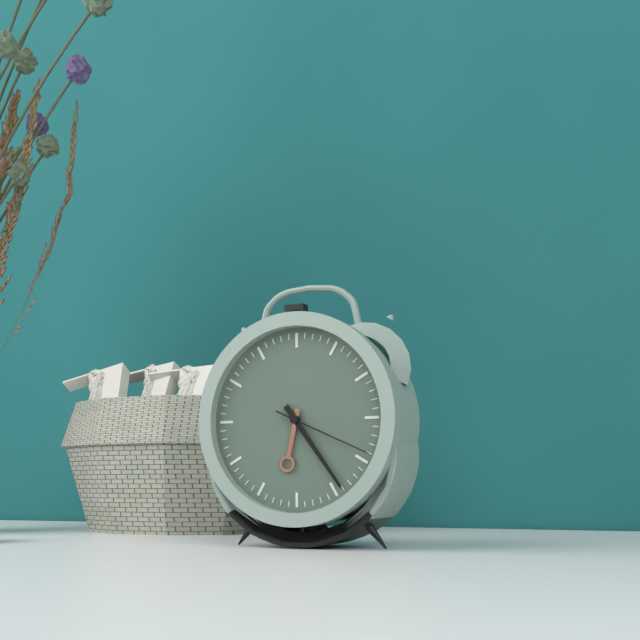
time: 6:24:19
